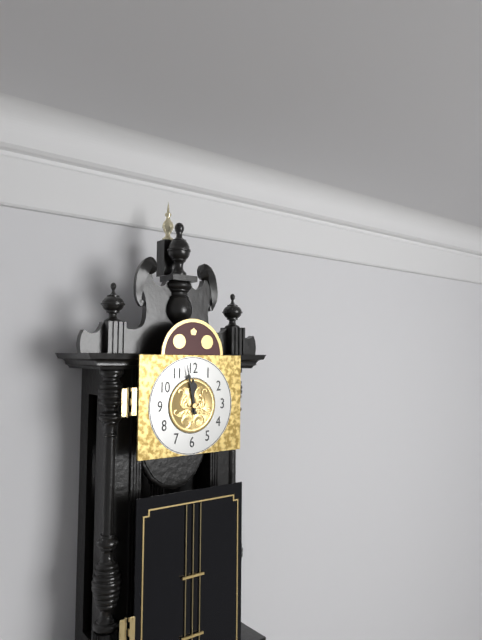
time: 11:58
